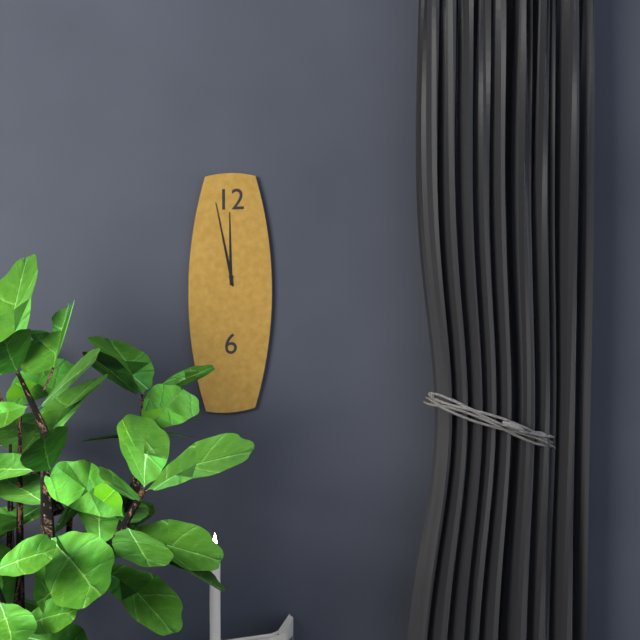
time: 11:58
